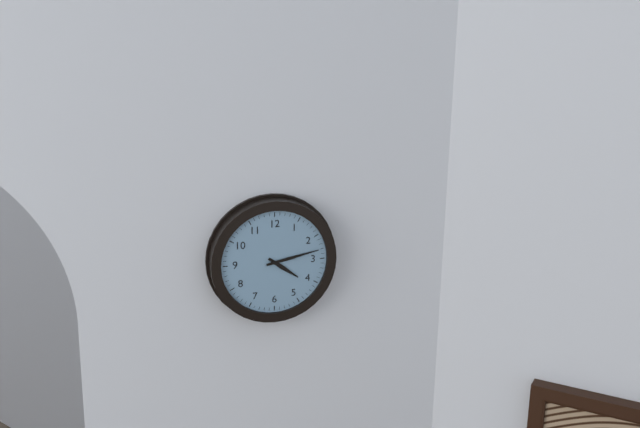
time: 4:13
